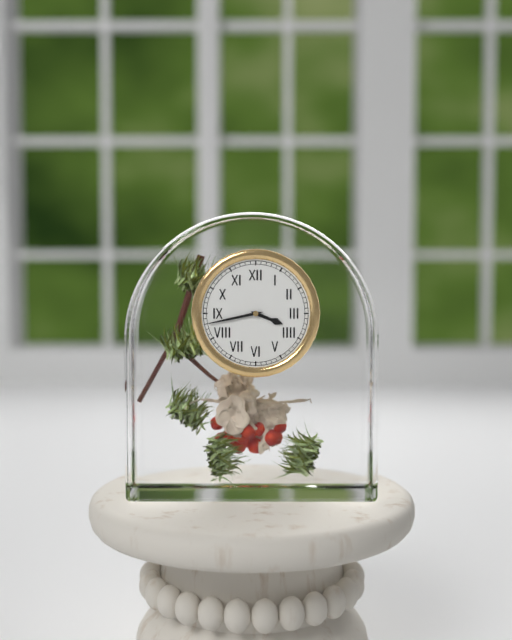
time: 3:43
